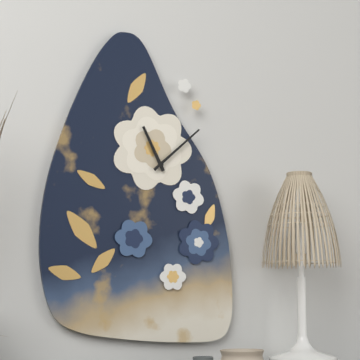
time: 11:08
